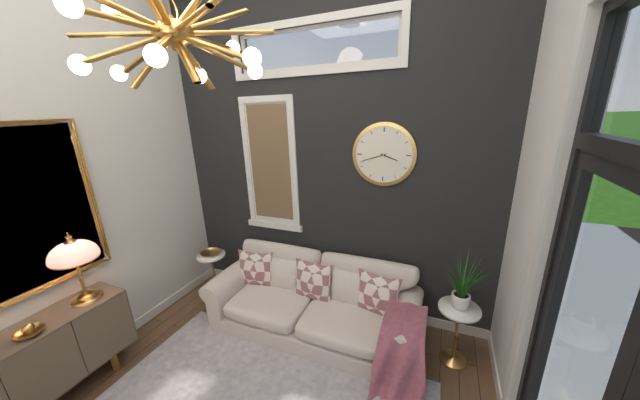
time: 3:42
